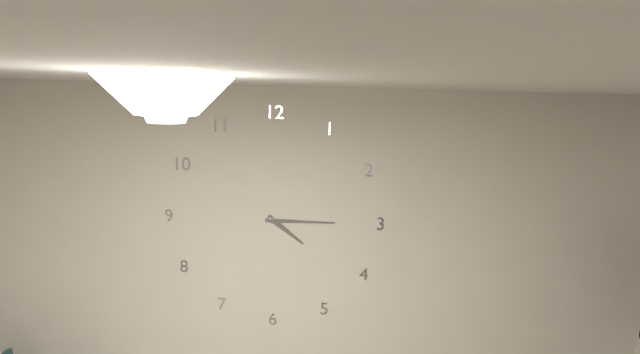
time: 4:15
